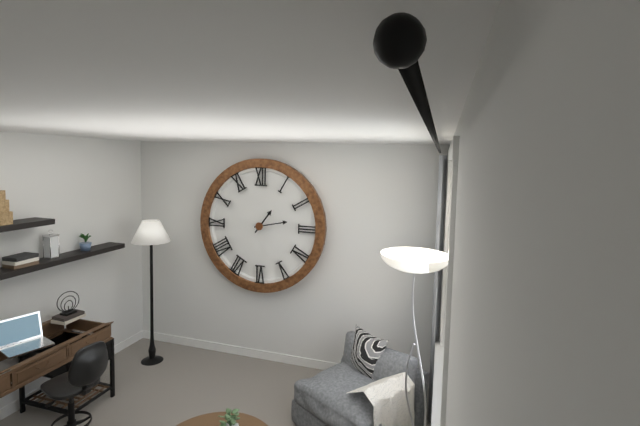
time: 1:13
